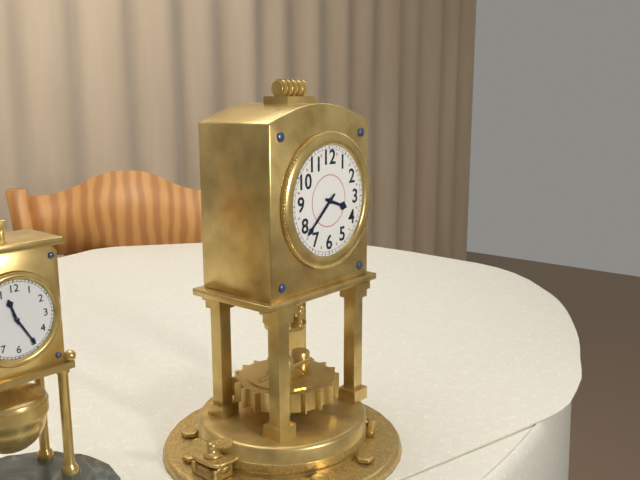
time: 3:38
